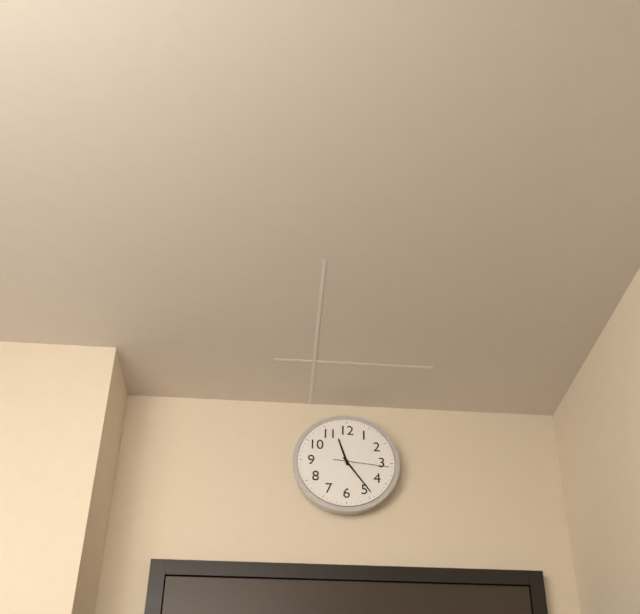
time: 11:24:16
